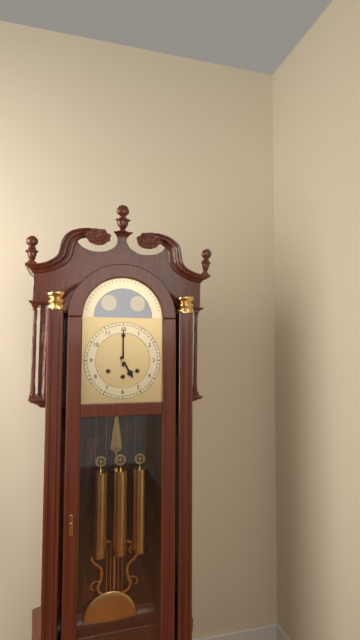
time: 5:00
